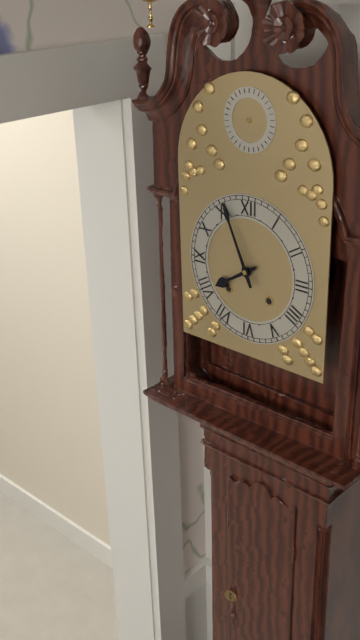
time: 7:56
